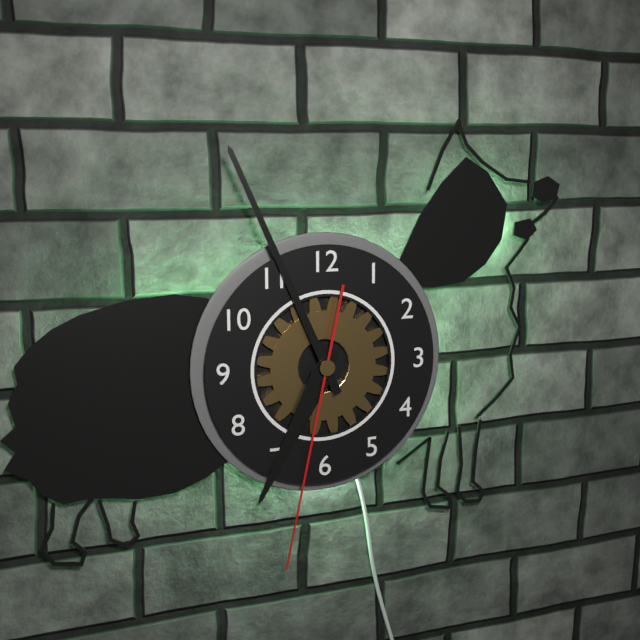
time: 6:56:32
